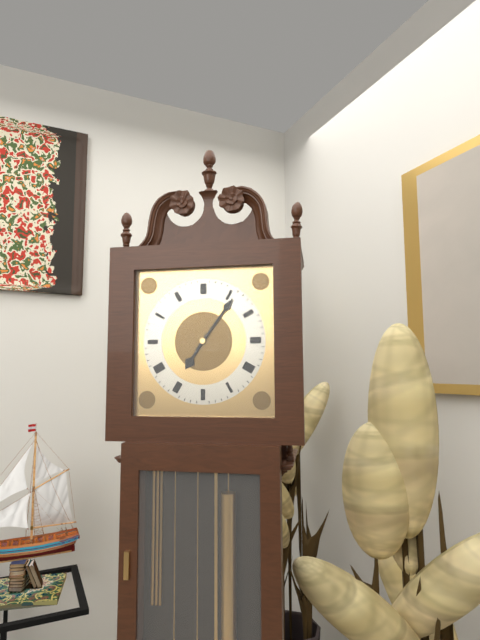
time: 7:06
